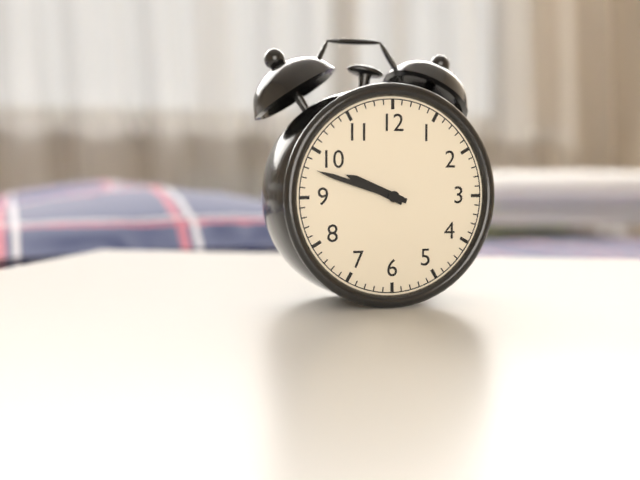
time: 9:48
